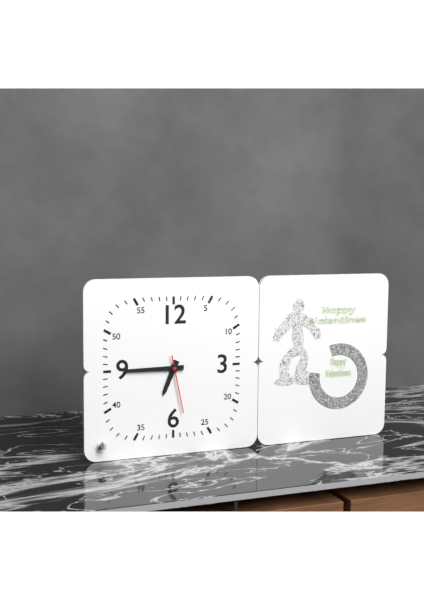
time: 6:45:28
